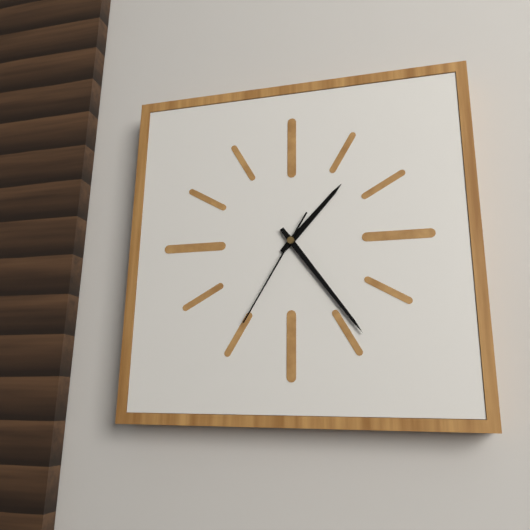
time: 1:24:35
